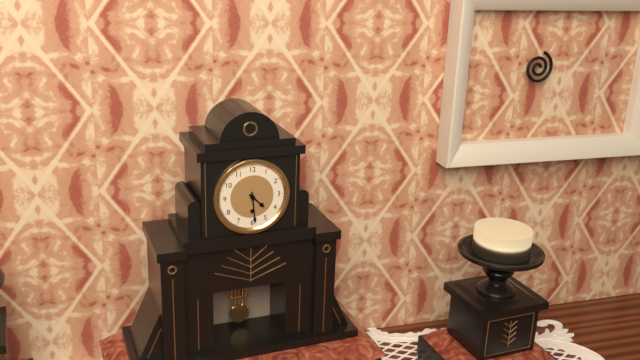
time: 4:29
